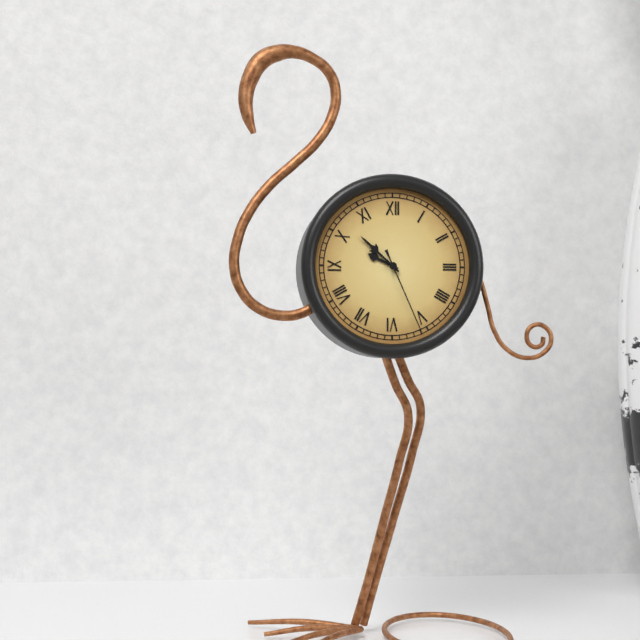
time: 9:52:26
